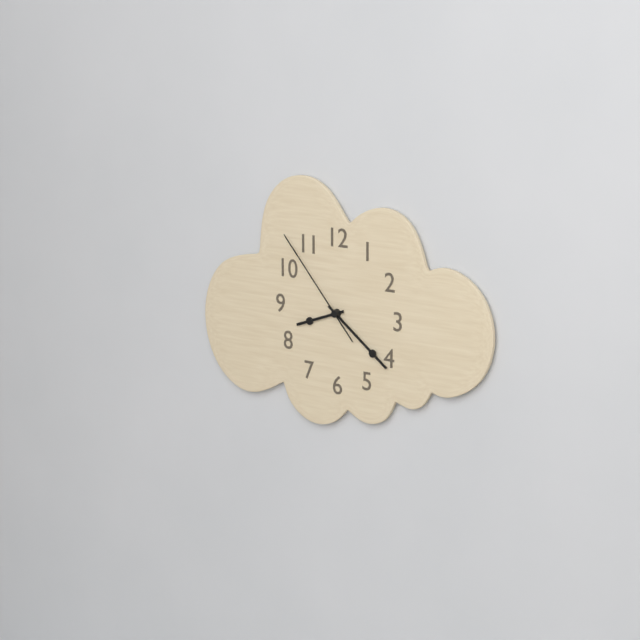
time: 8:21:53
